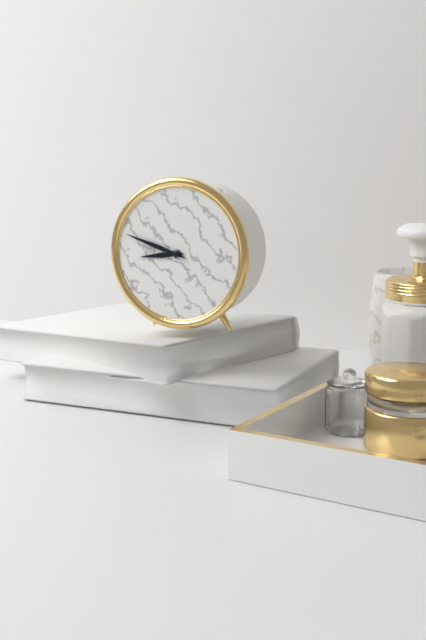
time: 8:48
